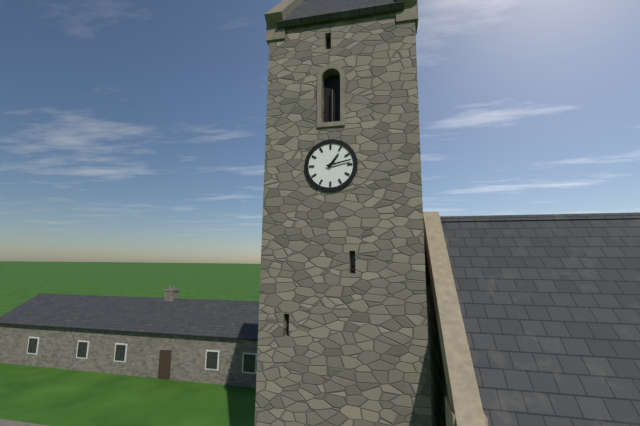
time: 1:13
